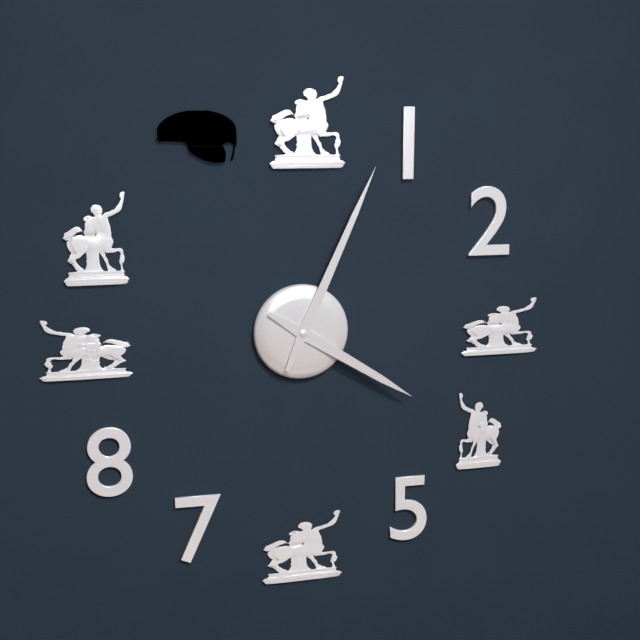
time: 4:04
